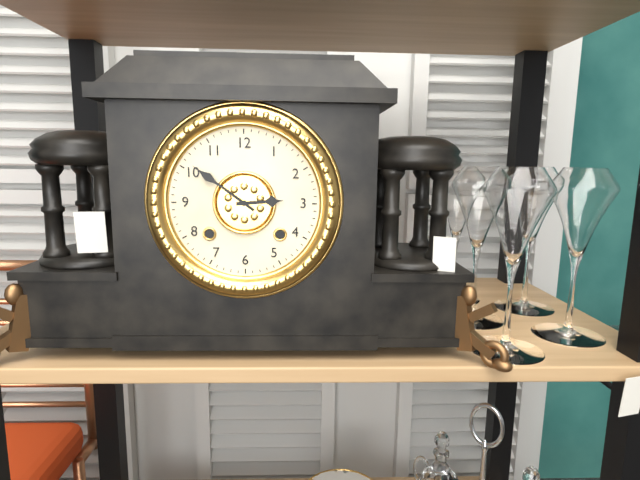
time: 2:51
